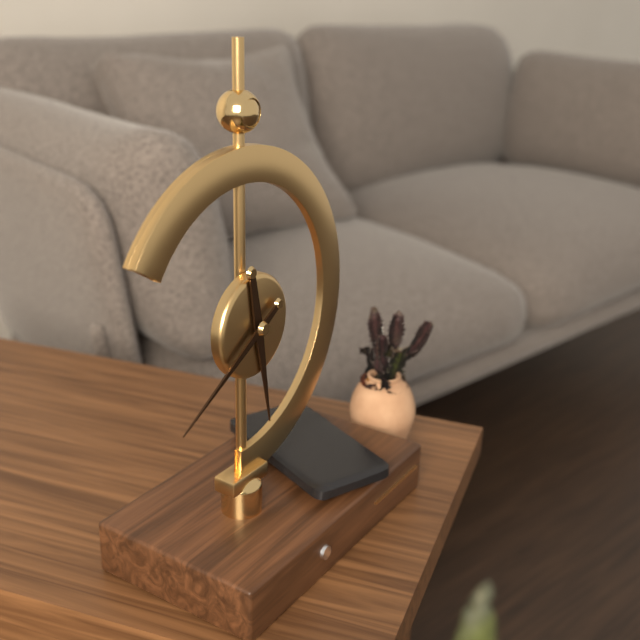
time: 5:40
